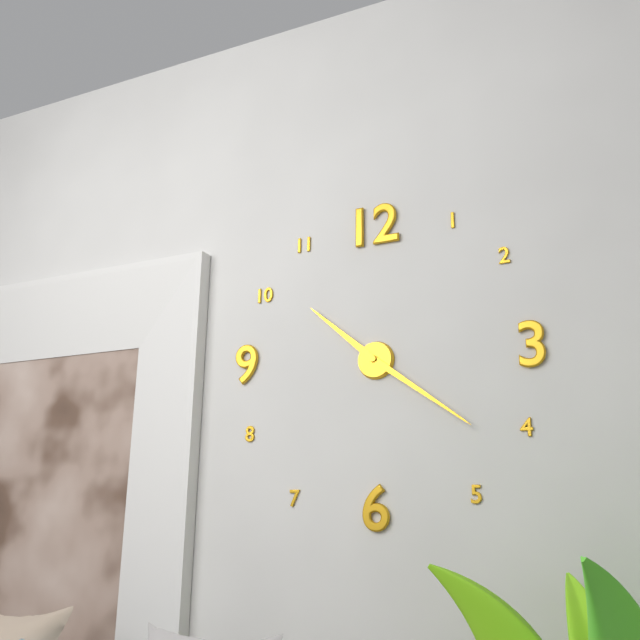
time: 10:21
